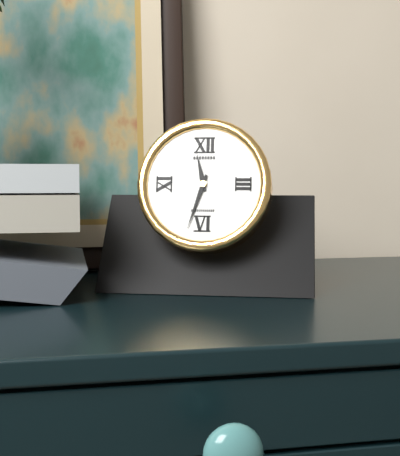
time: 11:33
